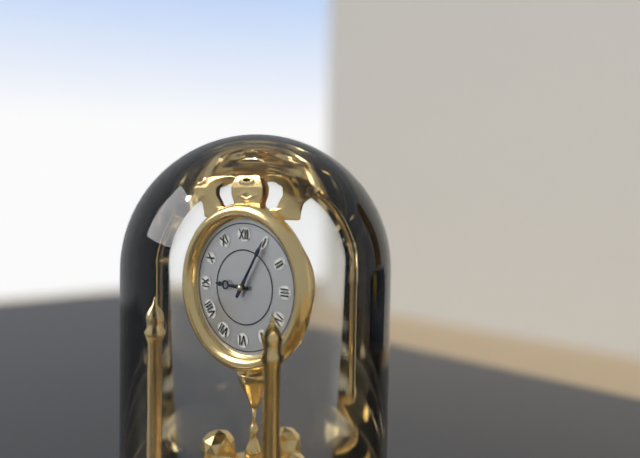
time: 9:05
